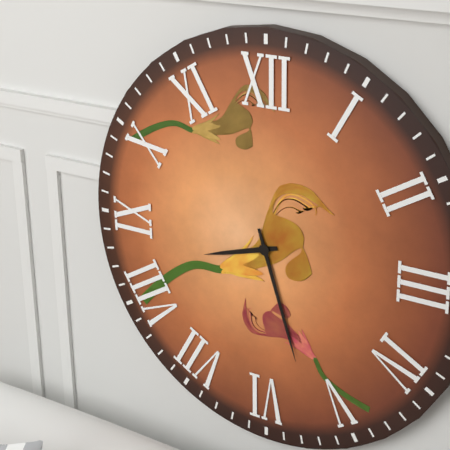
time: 8:27
